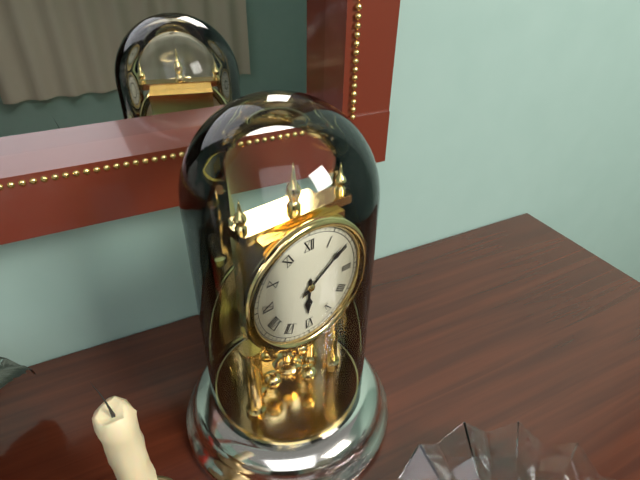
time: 6:09
